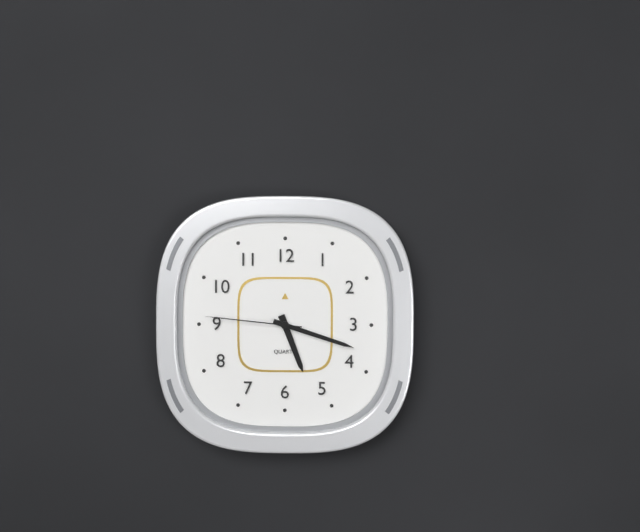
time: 5:18:46
